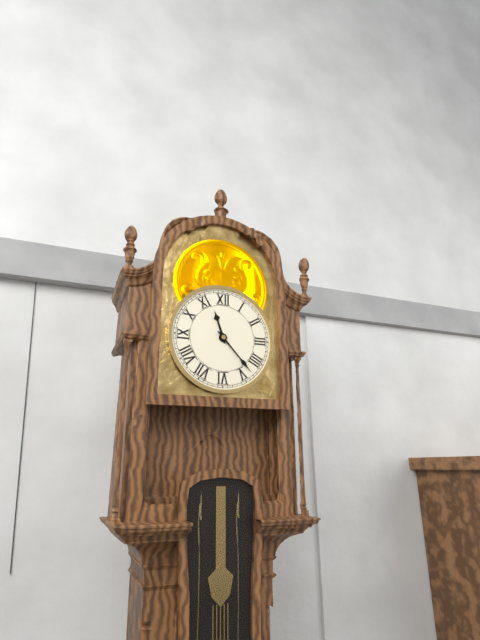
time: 11:23
